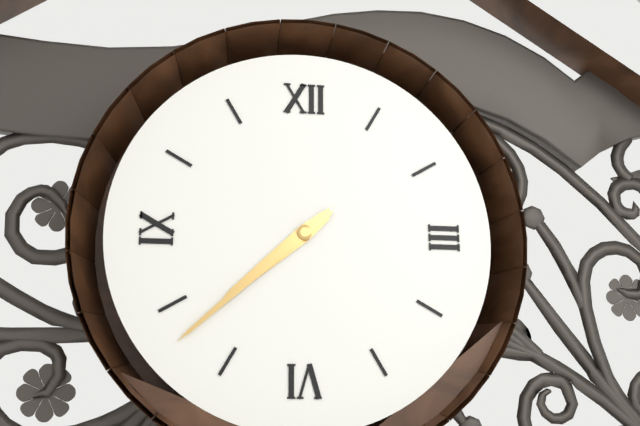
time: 7:38
